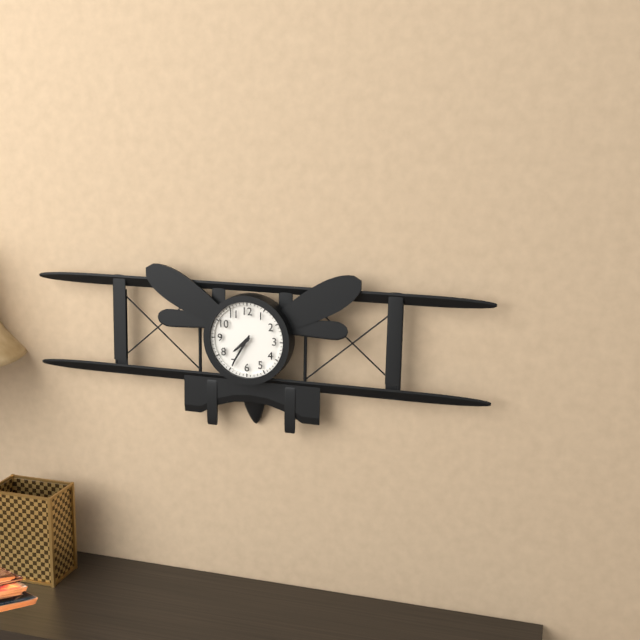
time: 7:35
